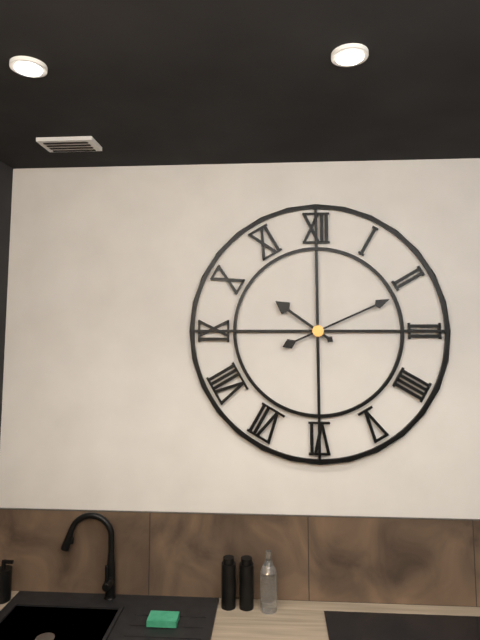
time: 10:11
